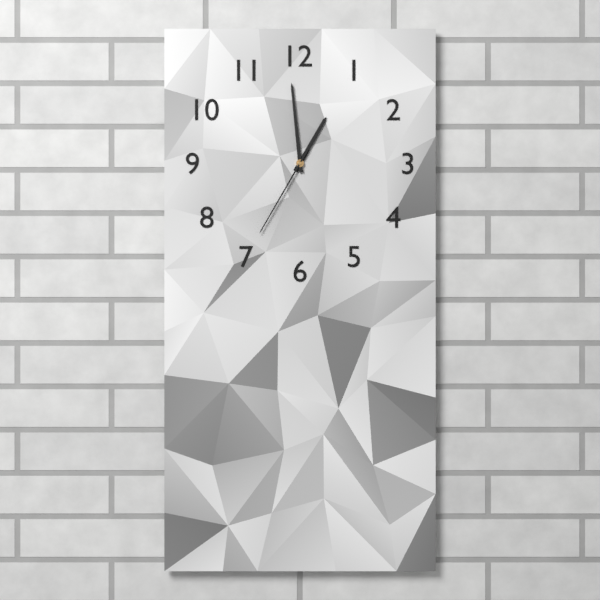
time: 12:59:35
